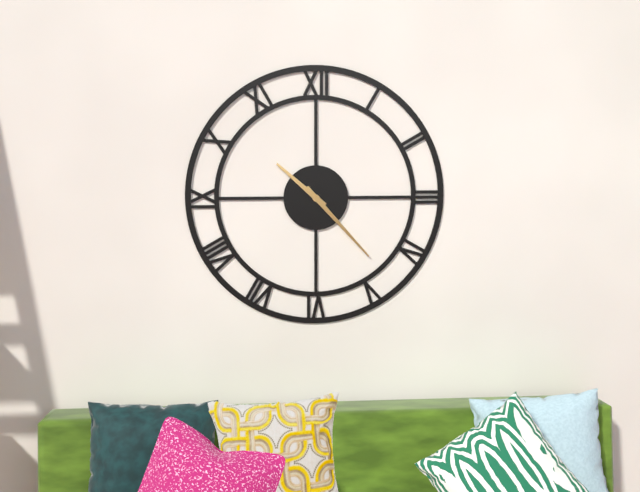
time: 10:23
